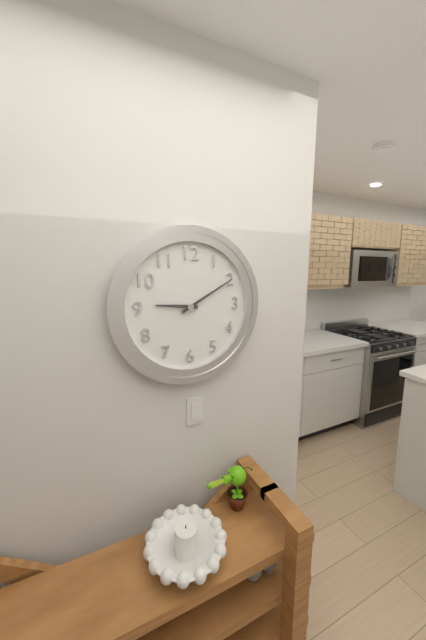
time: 9:10
